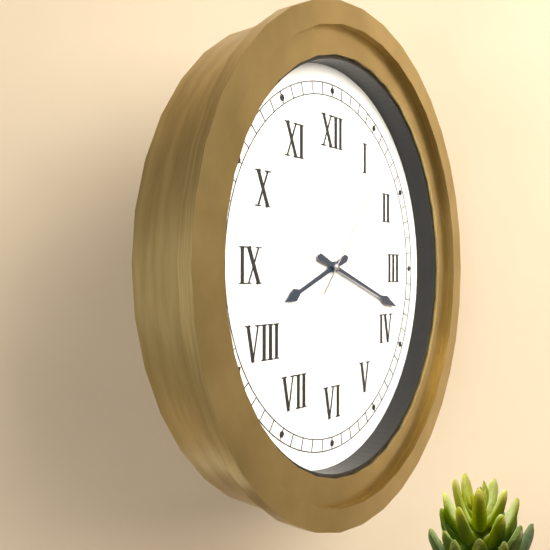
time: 8:18:07
